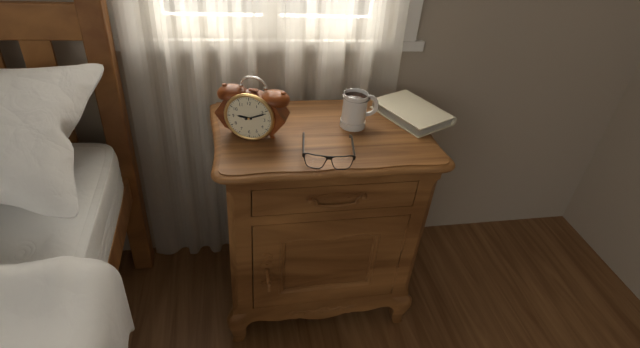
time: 9:11
